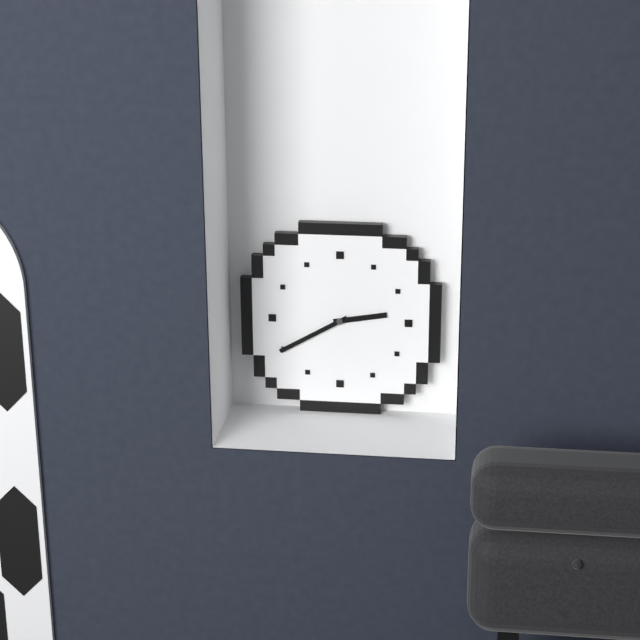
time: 2:40
